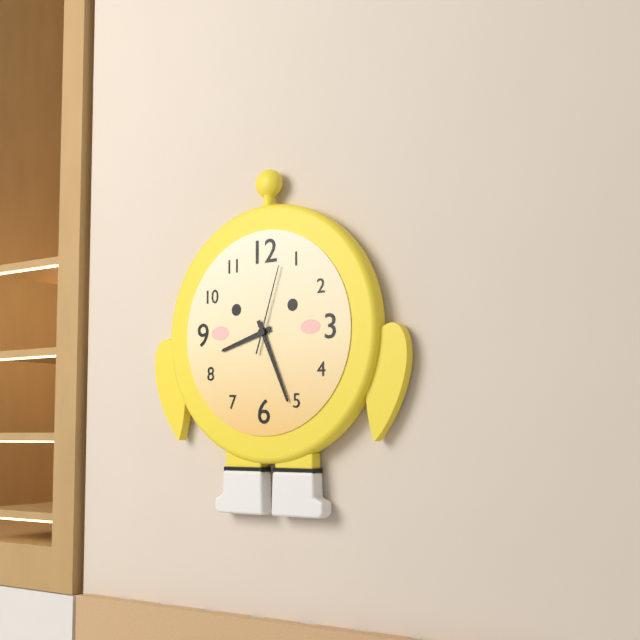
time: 8:26:03
